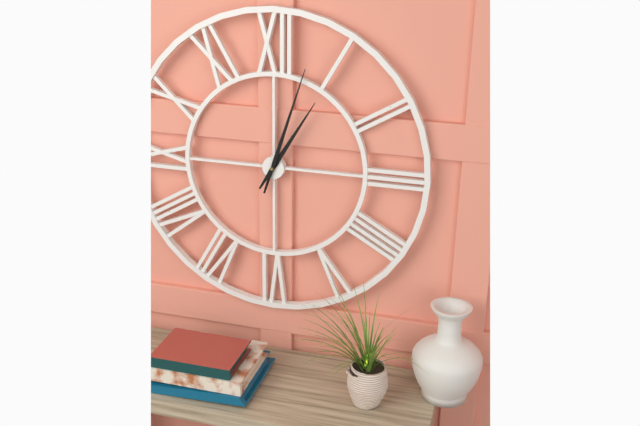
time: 1:03
